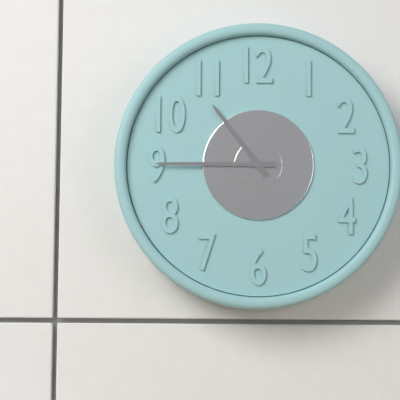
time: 10:45
